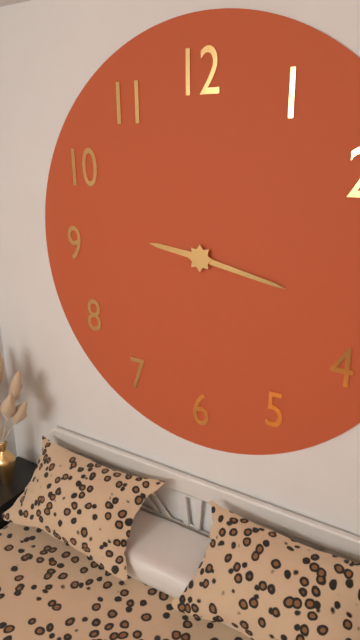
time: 9:17
